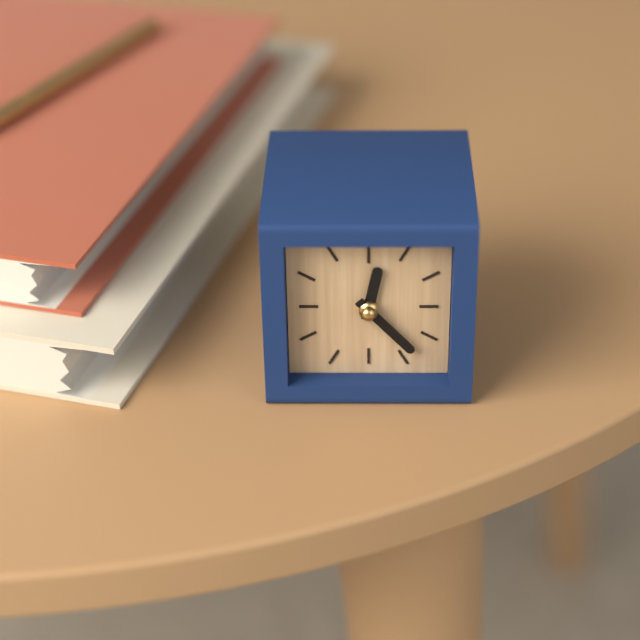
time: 12:23
